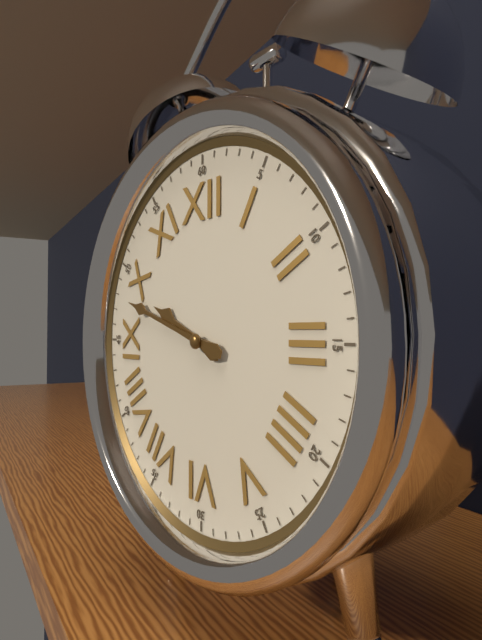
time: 9:48
